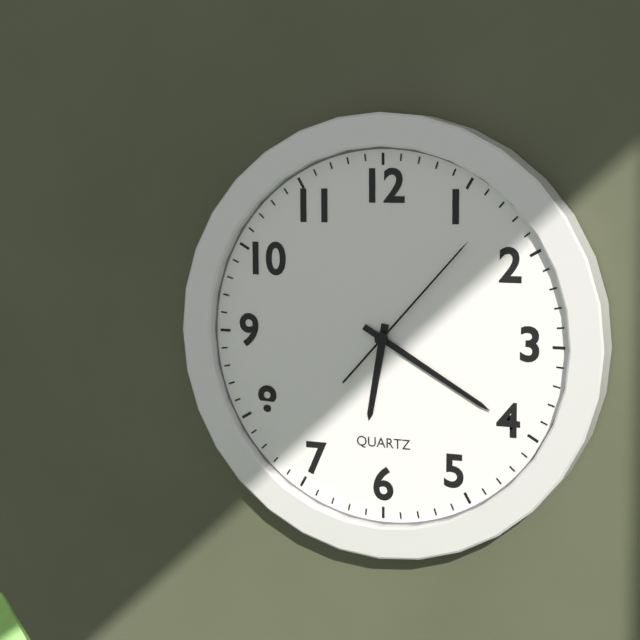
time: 6:20:07
